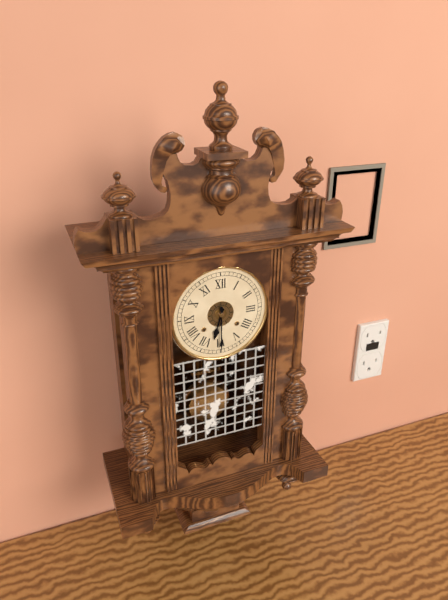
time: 6:30
